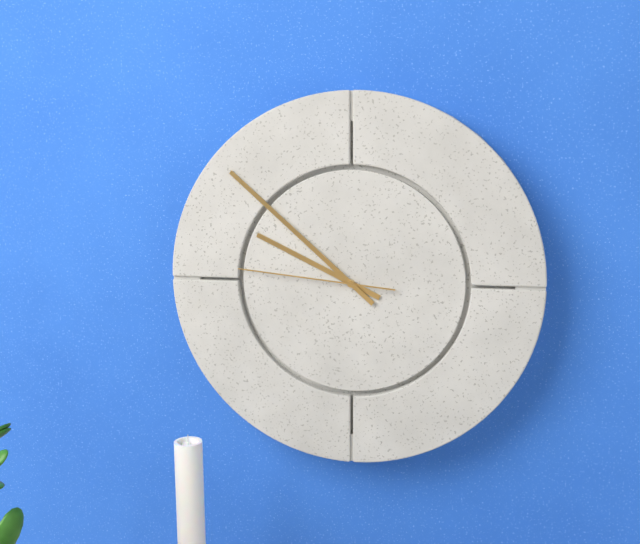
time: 9:52:46
